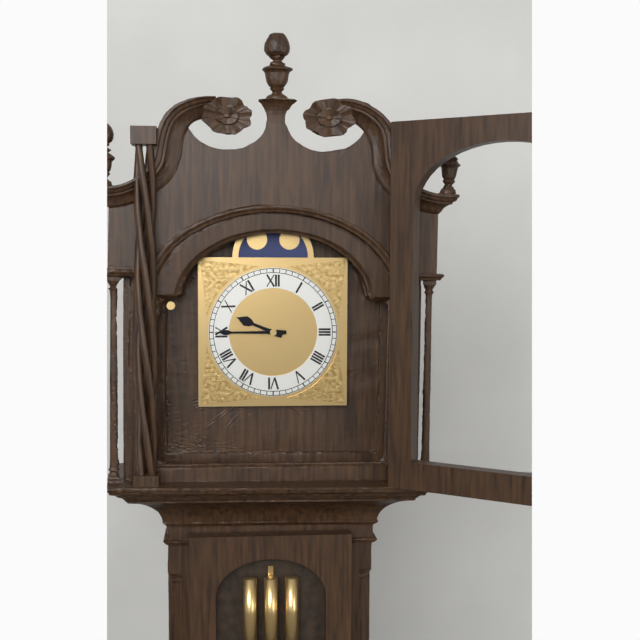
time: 9:45
